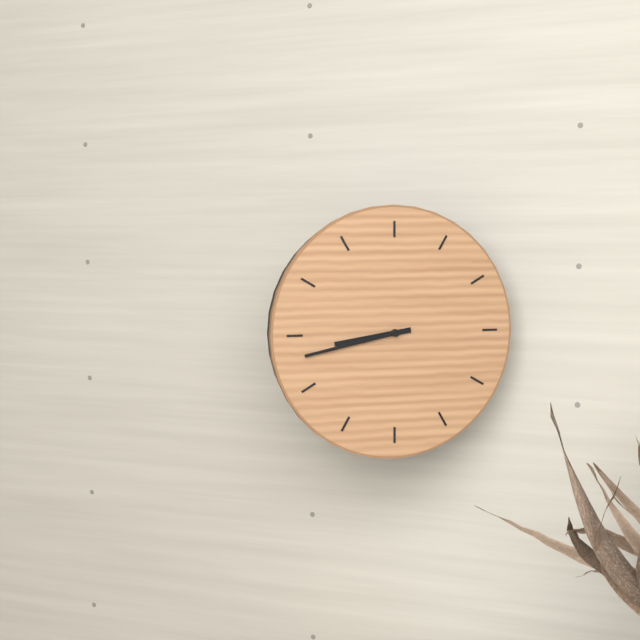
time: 8:43
